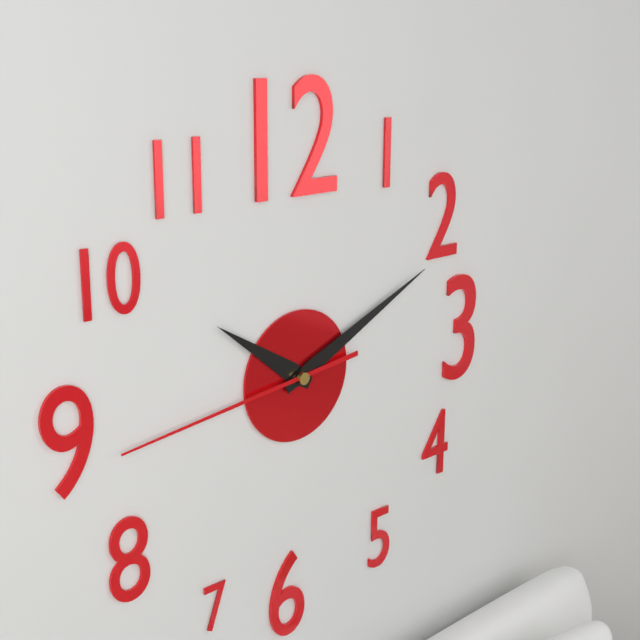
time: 10:11:44
